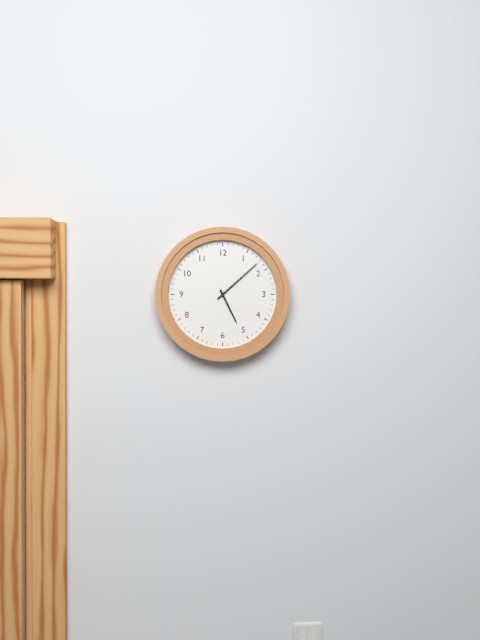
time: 5:08
